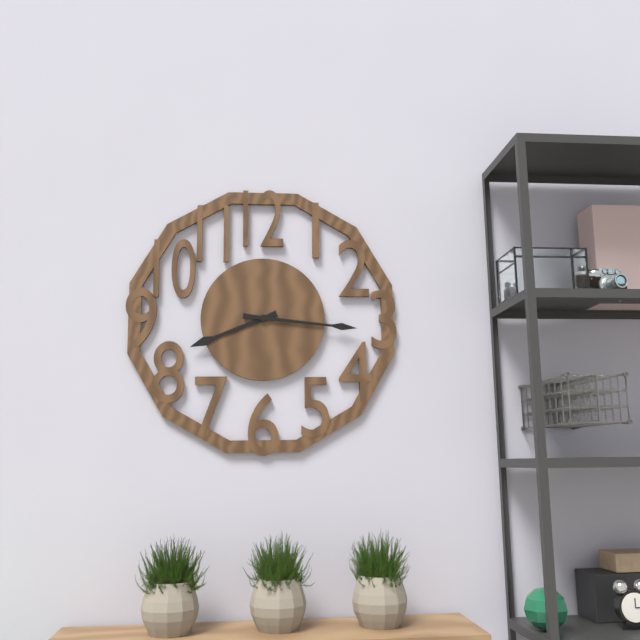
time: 8:16
